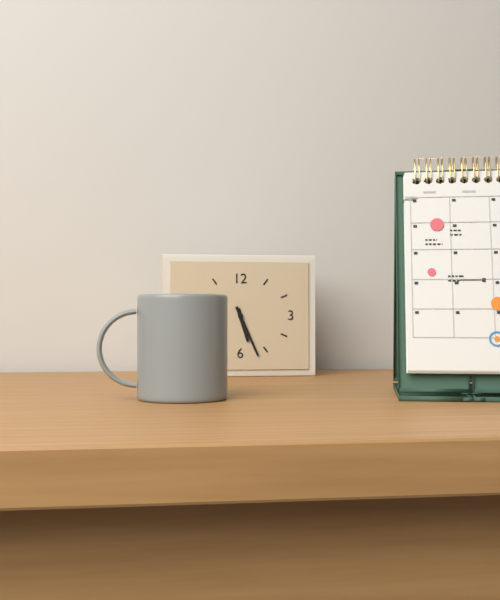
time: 5:26
